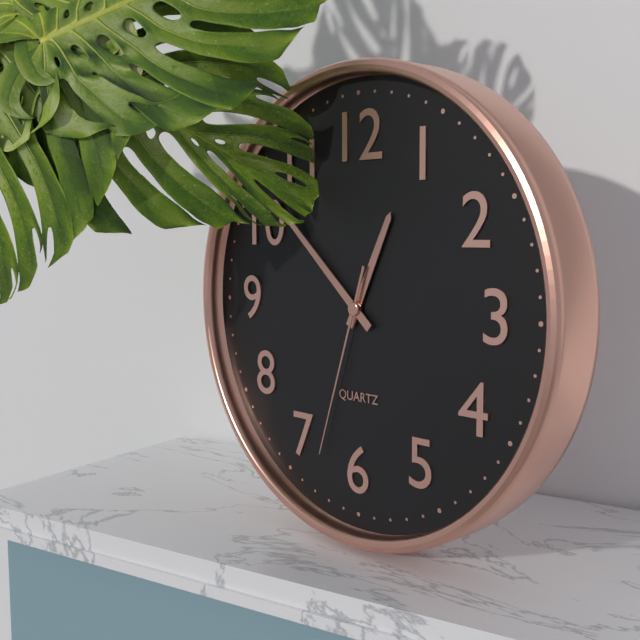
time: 12:52:33
